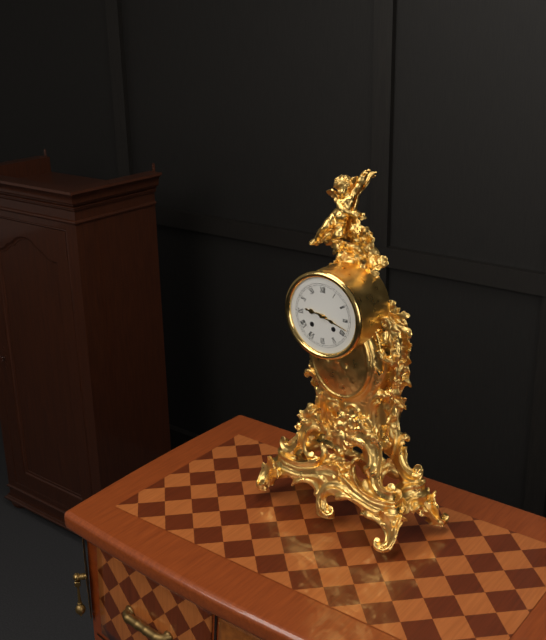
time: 9:18
